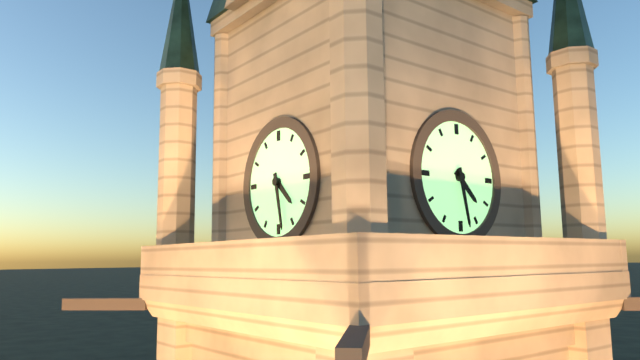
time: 4:28
